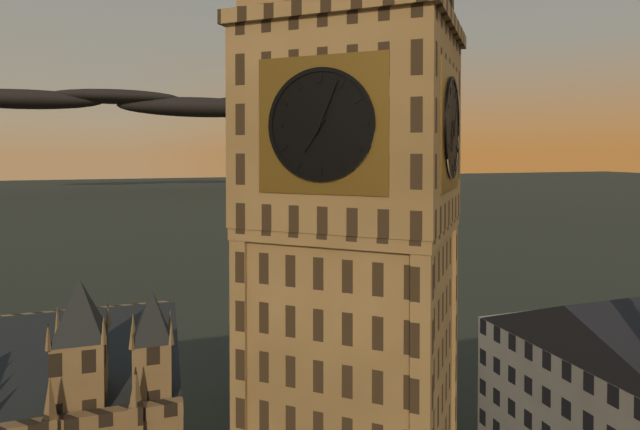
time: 7:04
